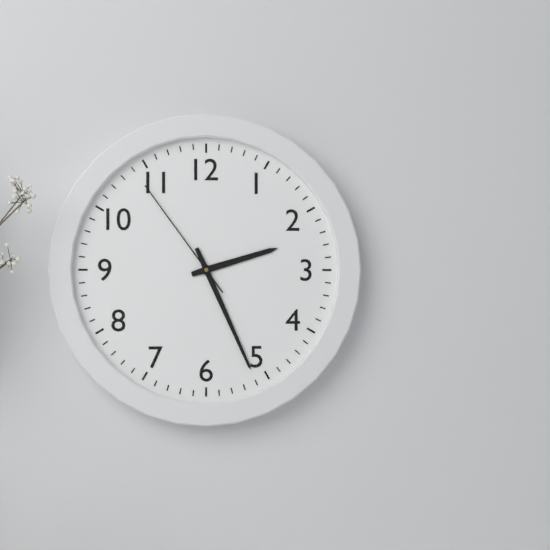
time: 2:26:54
